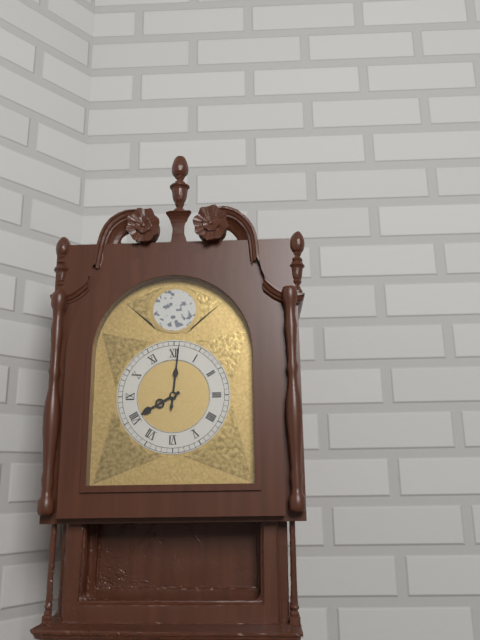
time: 8:01
